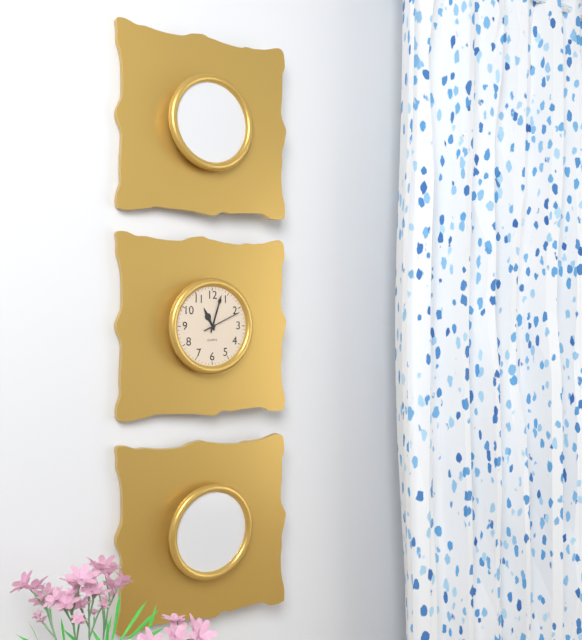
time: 11:03
